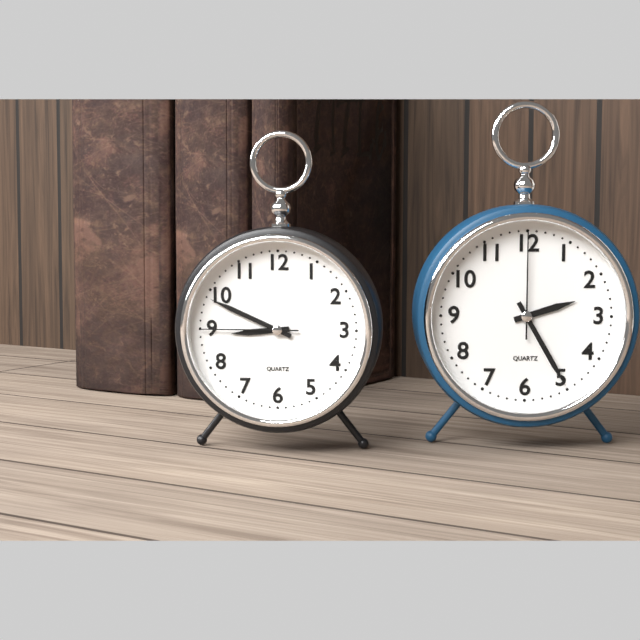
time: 8:49:45
